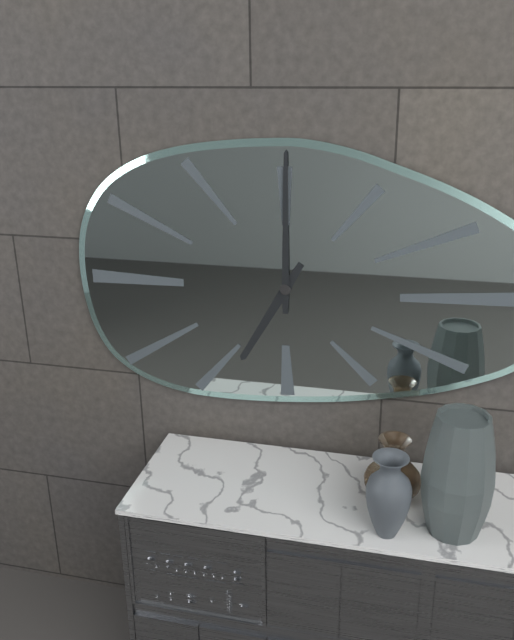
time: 7:00
